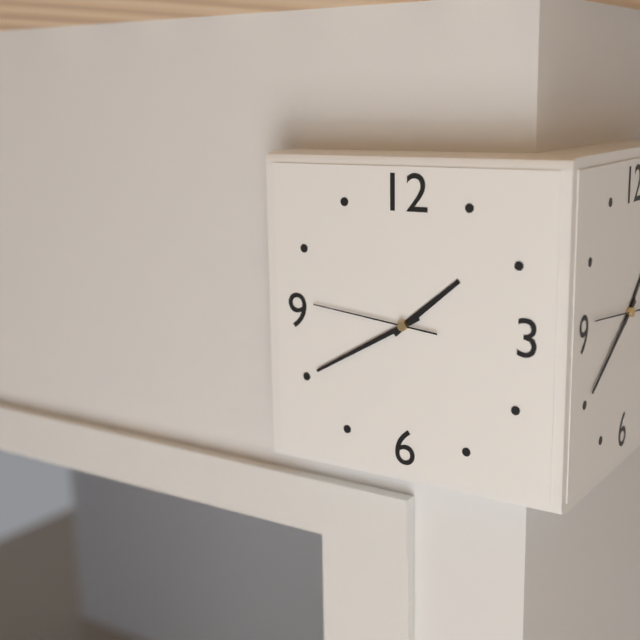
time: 1:40:46
